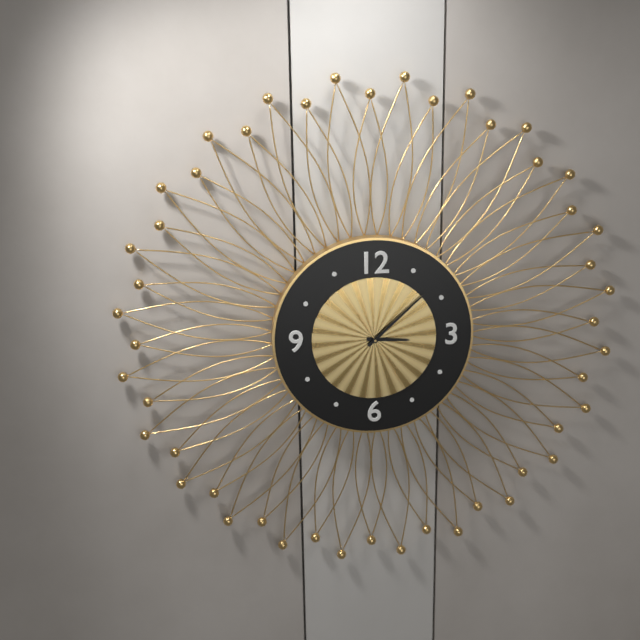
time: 3:08:25
